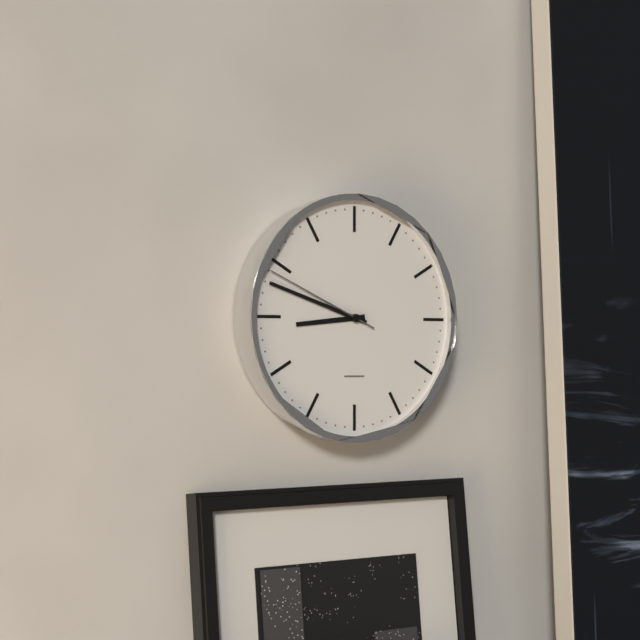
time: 8:48:49
